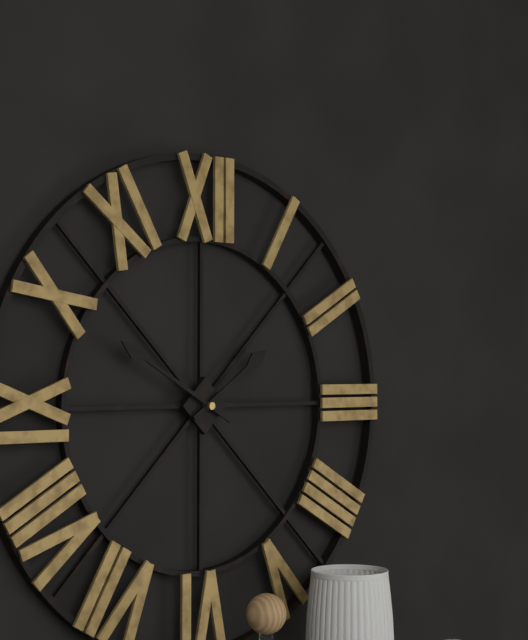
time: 1:50
